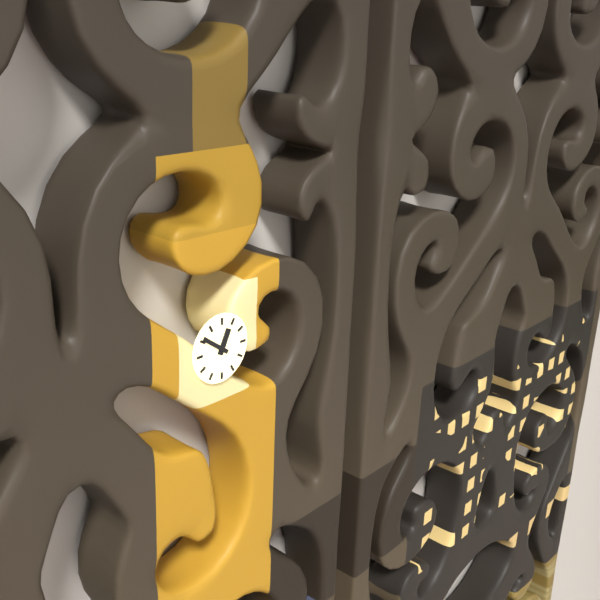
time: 12:51
